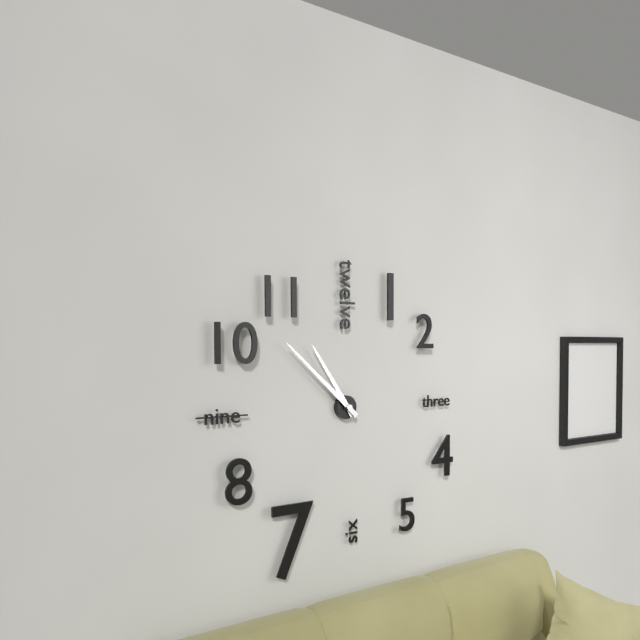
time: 10:52
